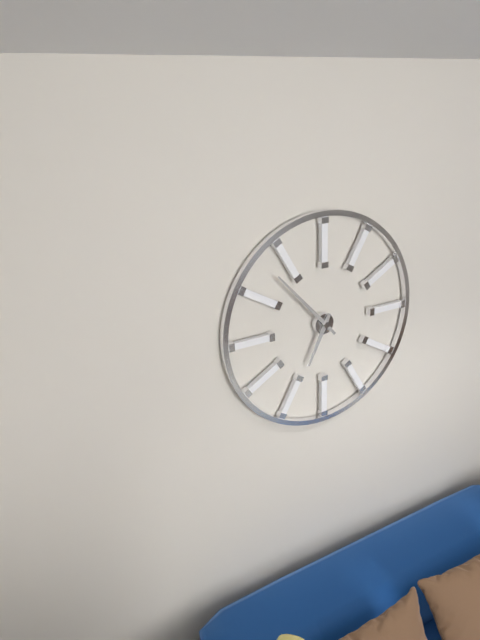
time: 6:53
